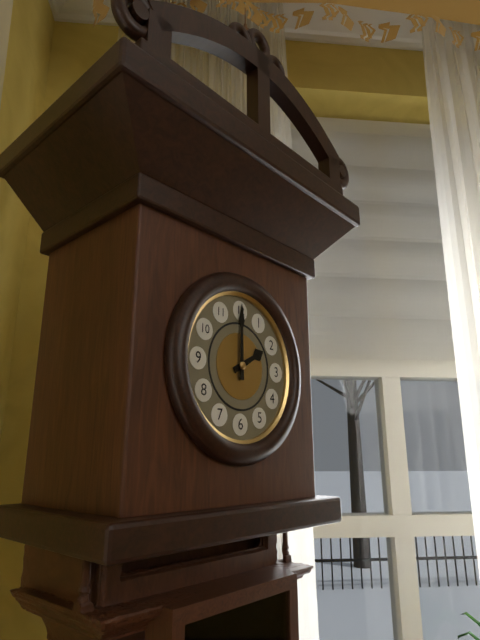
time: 2:00
